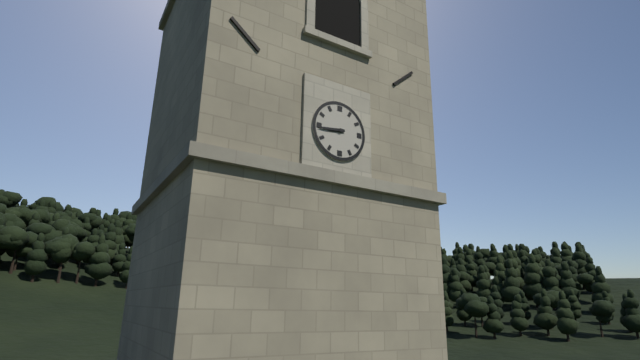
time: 8:44
